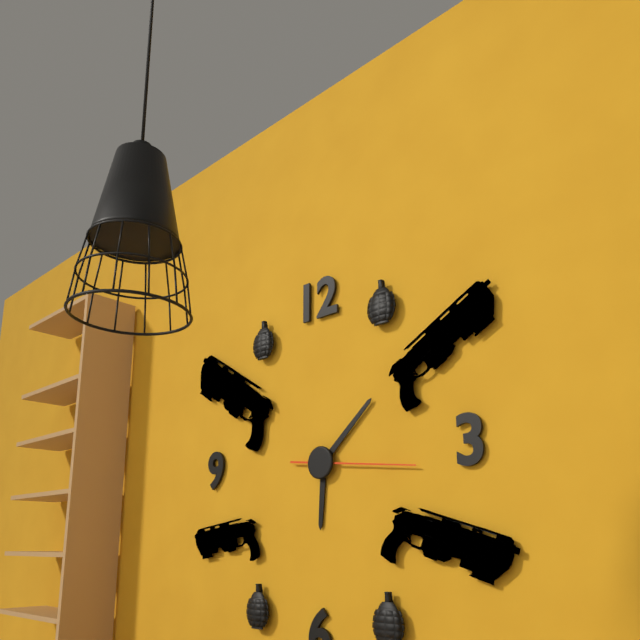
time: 6:08:16
